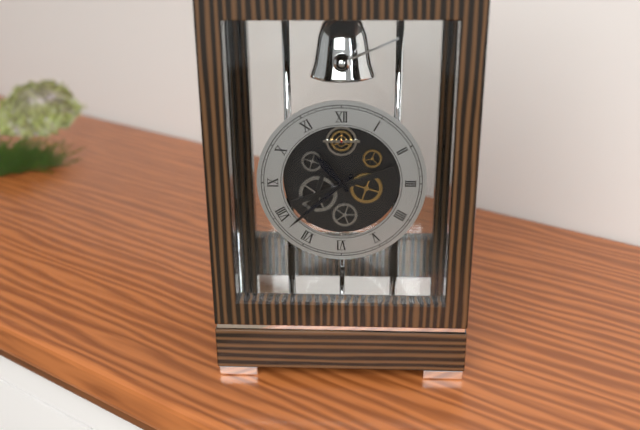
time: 10:38
